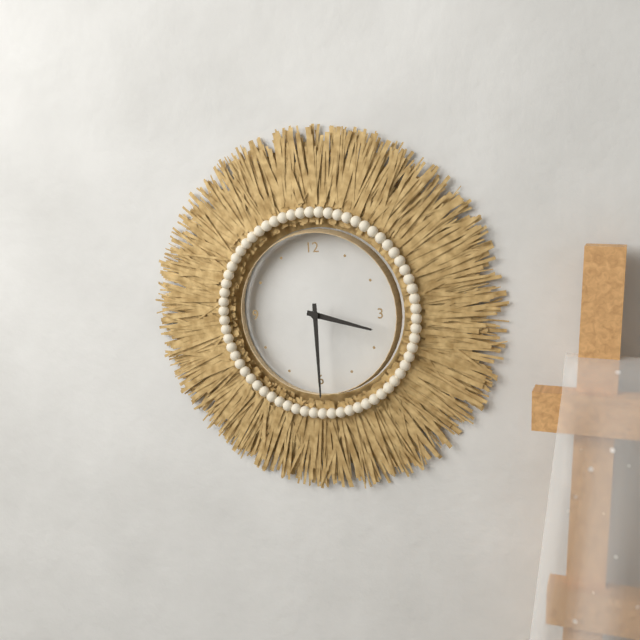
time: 3:30
